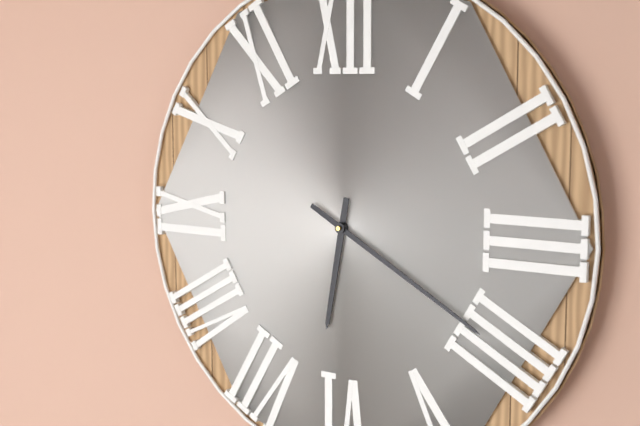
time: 6:20
